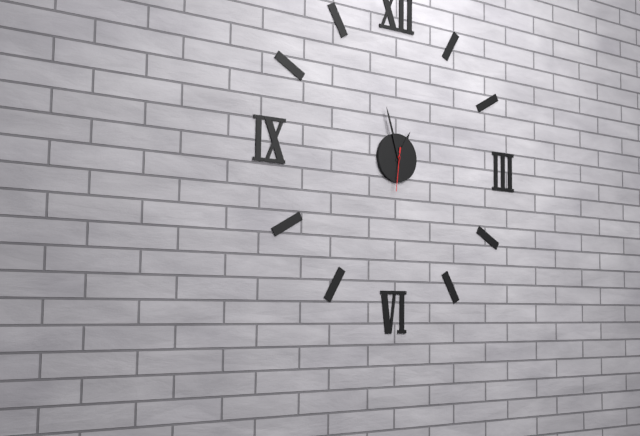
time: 12:57
